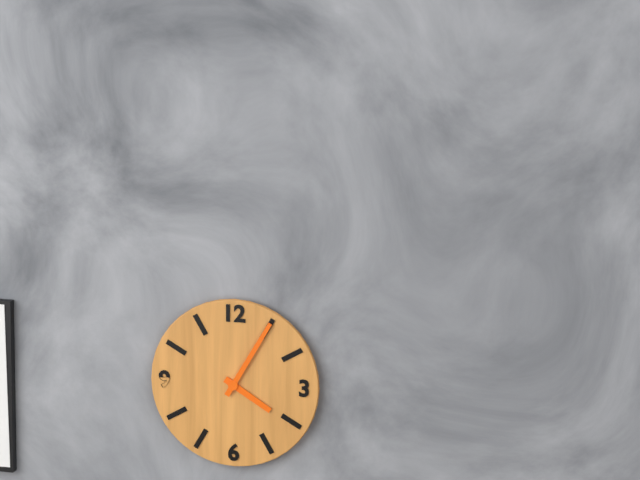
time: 4:05
